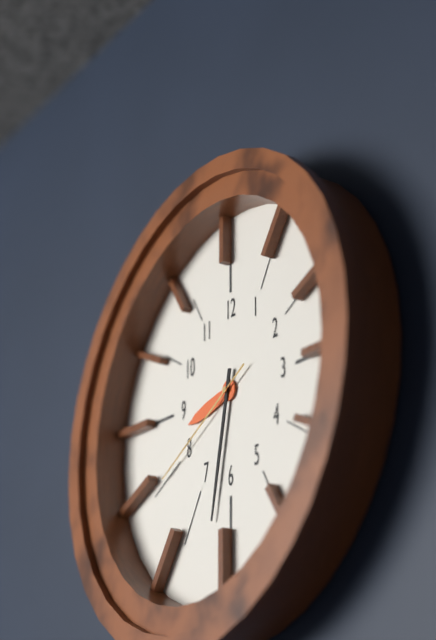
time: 8:32:40
